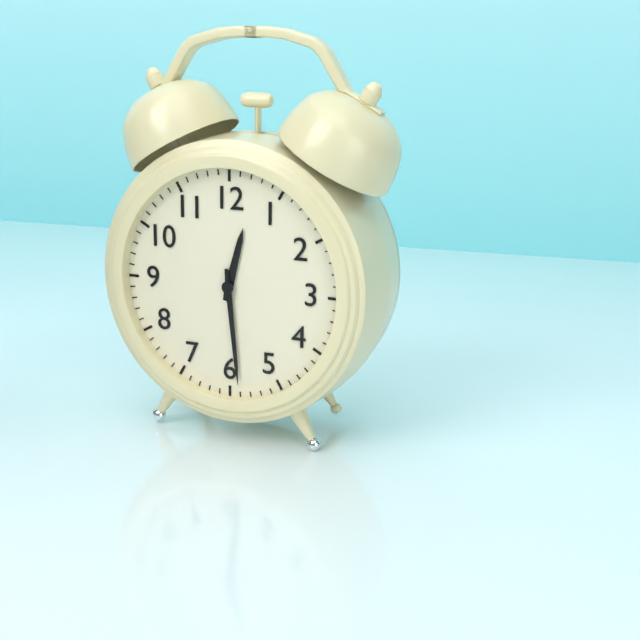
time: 12:29
